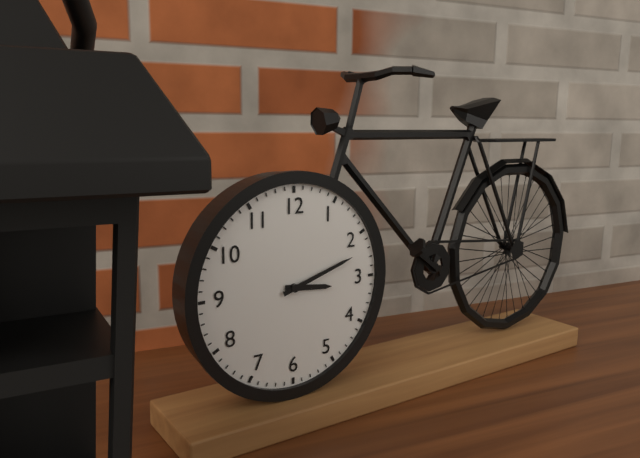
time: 3:12
